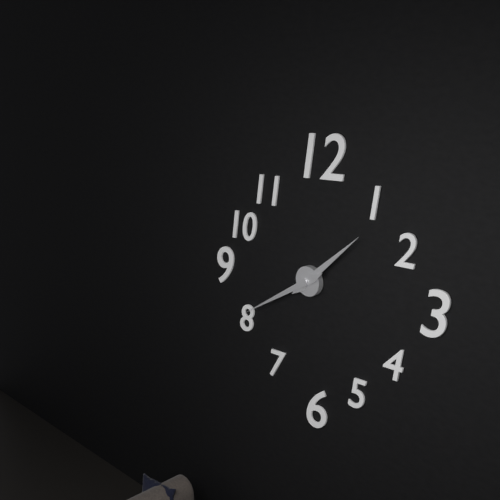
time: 1:40
